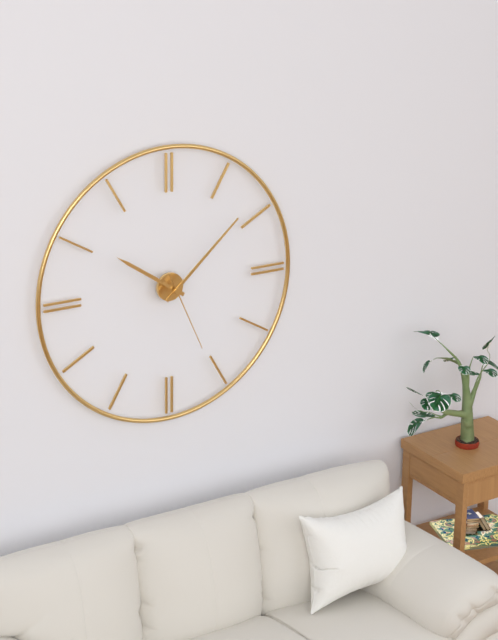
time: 10:08:26
